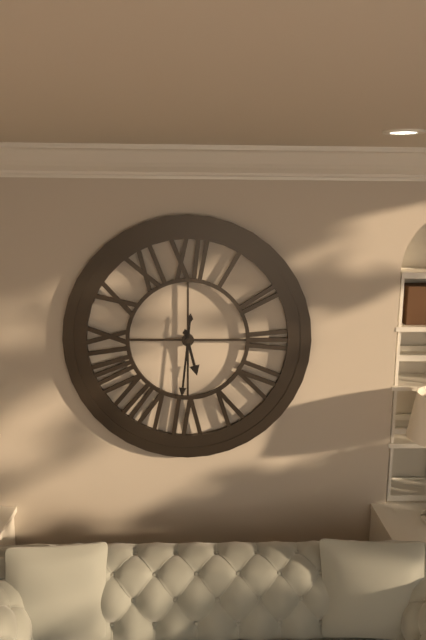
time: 5:31
